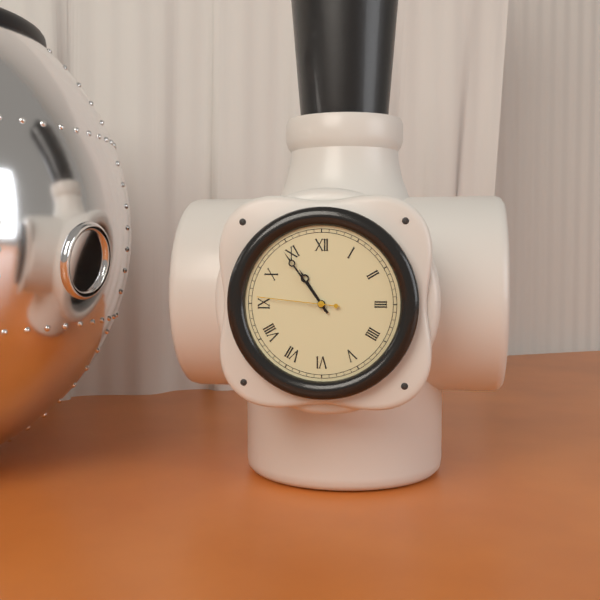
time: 10:54:46
